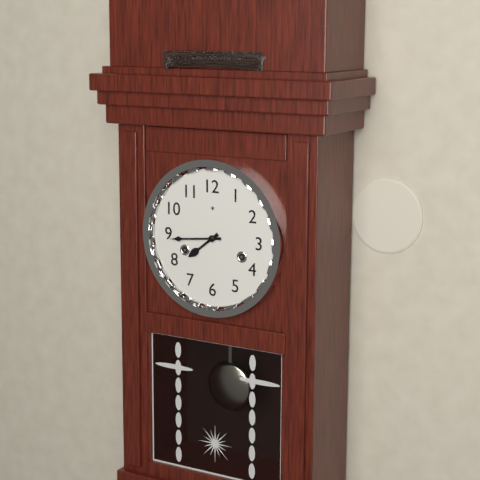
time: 7:44
